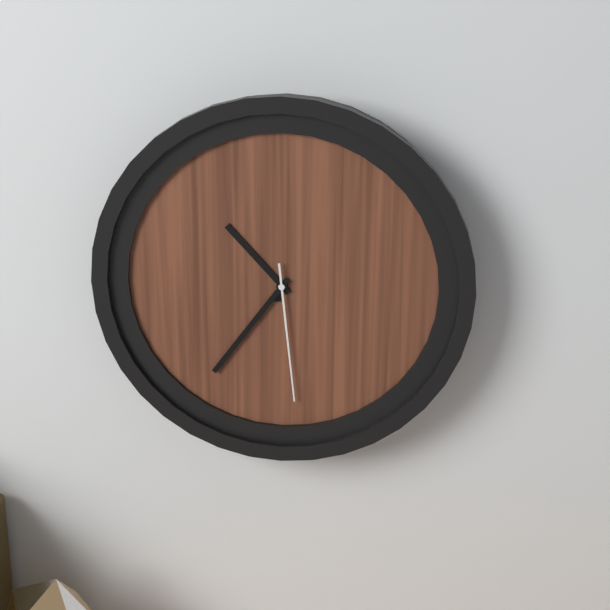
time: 10:36:29
